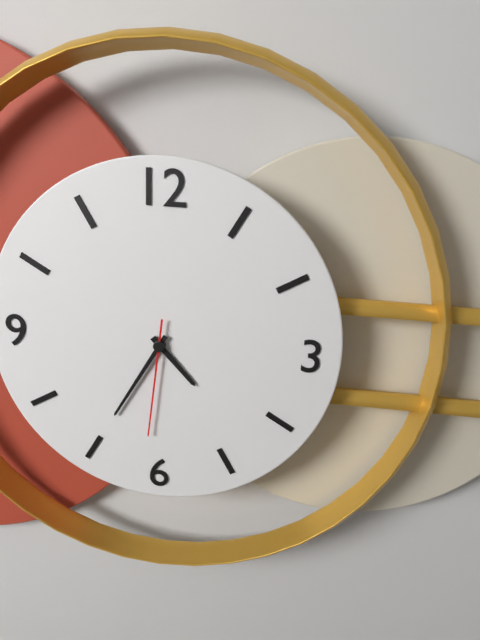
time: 4:35:31
